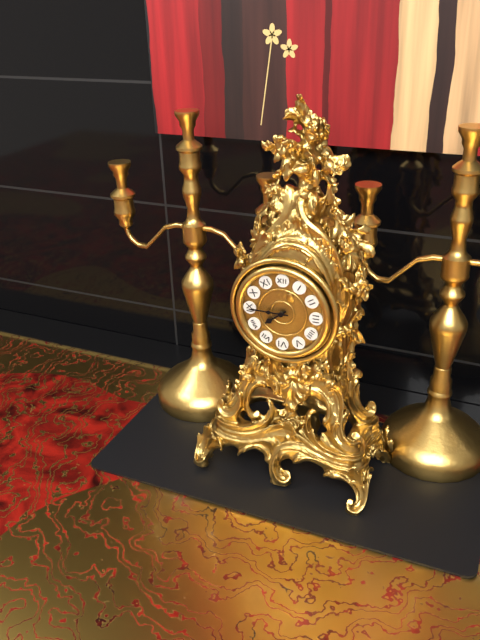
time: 7:45
